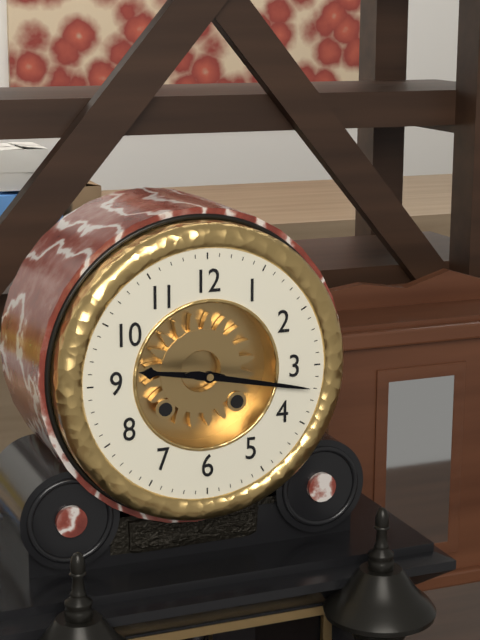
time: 9:17
